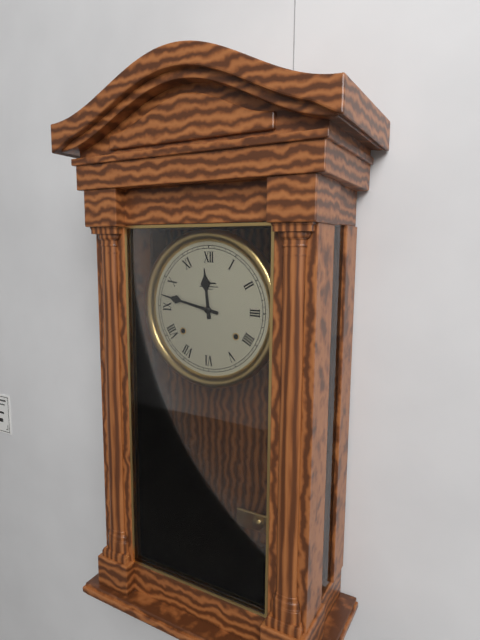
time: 11:47
